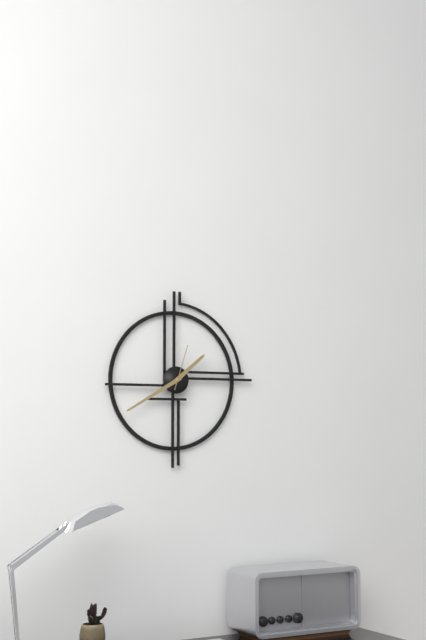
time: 1:40
